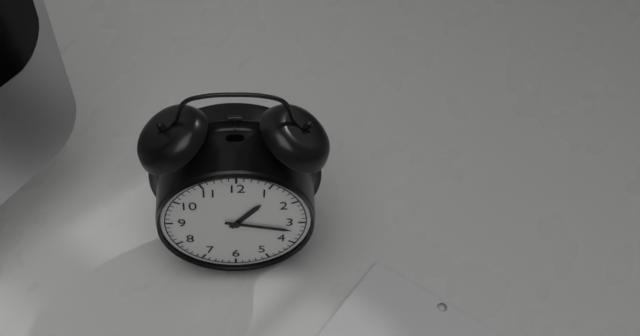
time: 1:17
